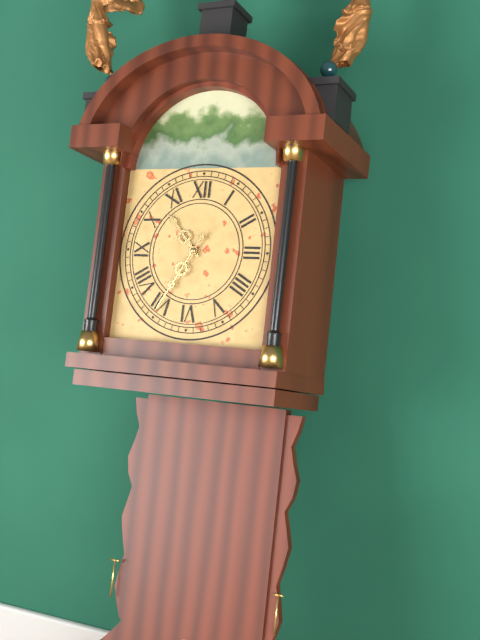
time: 10:35
